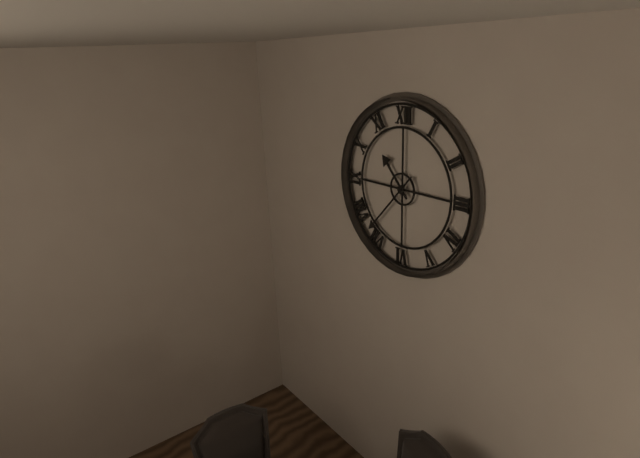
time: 10:37
